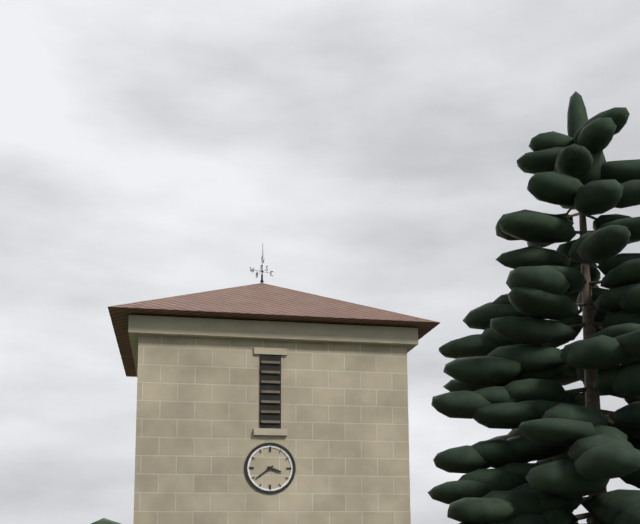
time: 3:39
